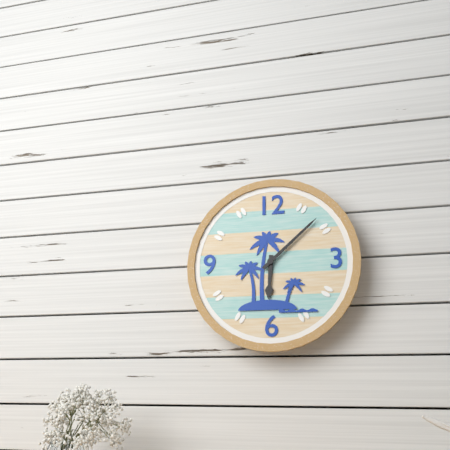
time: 6:08
